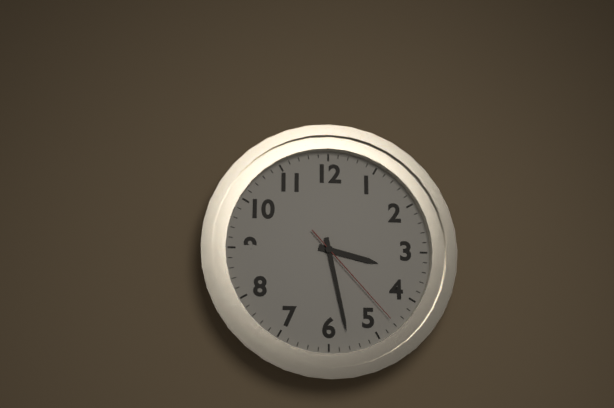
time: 3:28:23
